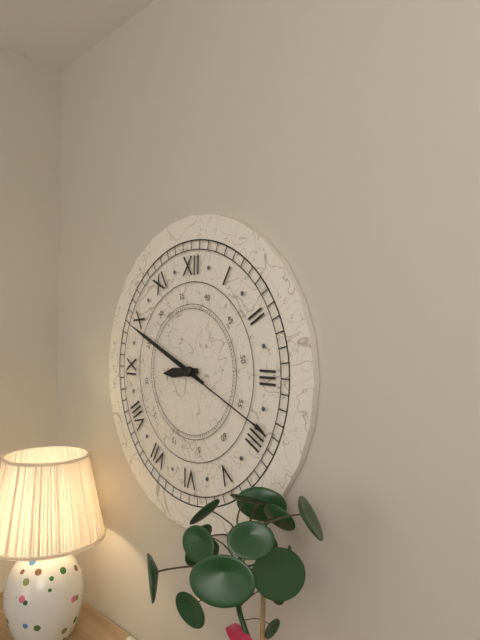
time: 8:49:19
